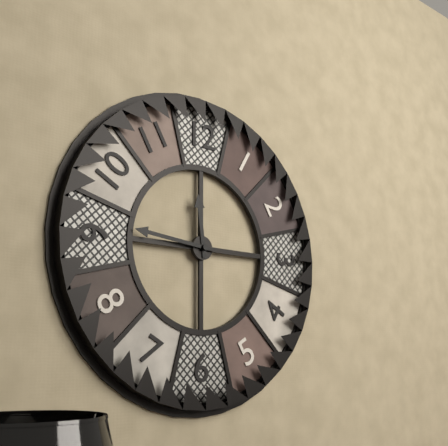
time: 11:46
